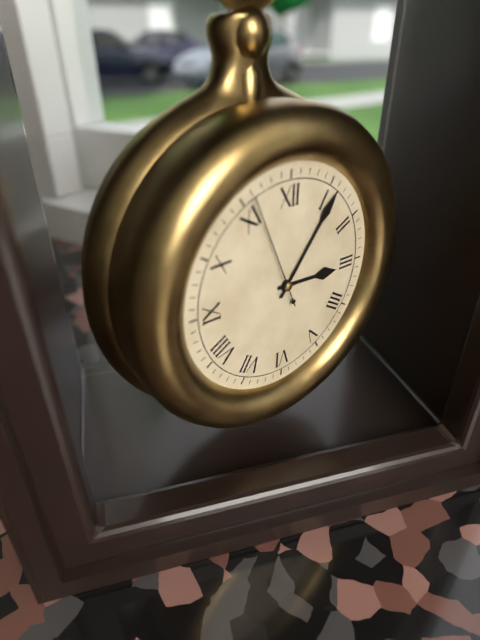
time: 3:06:56
